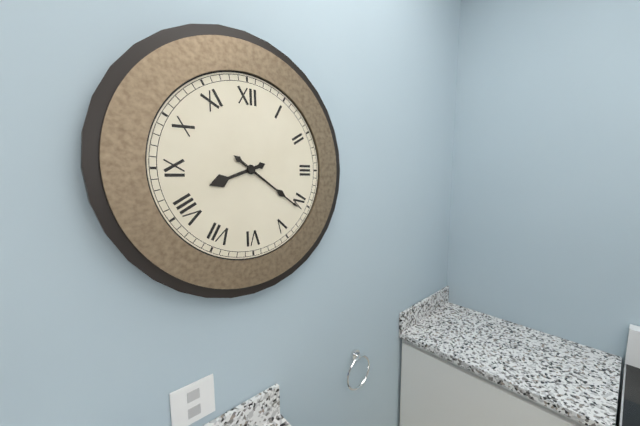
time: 8:21
